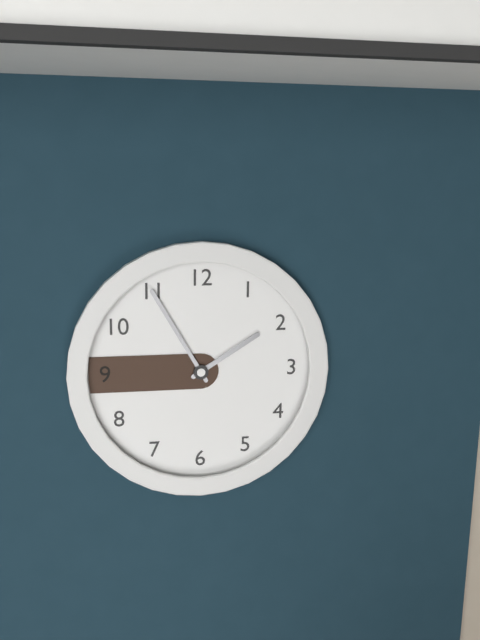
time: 1:55
